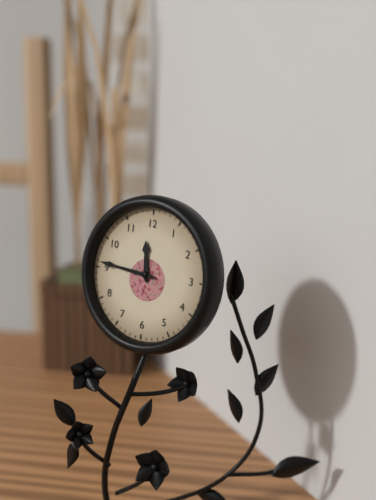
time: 11:46
